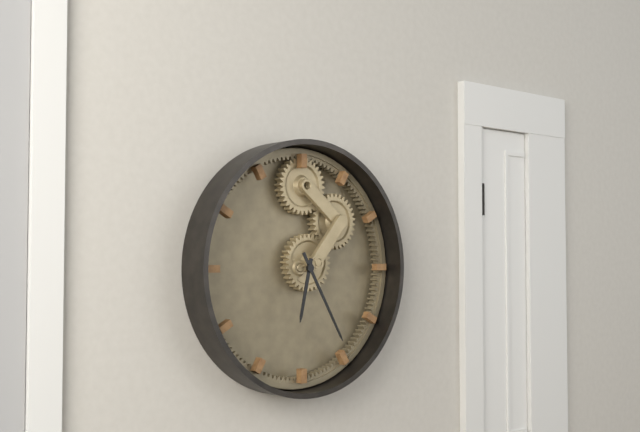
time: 6:25
